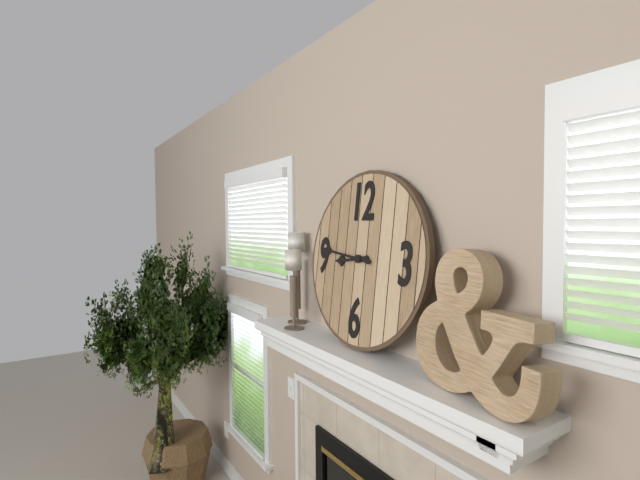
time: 8:46
